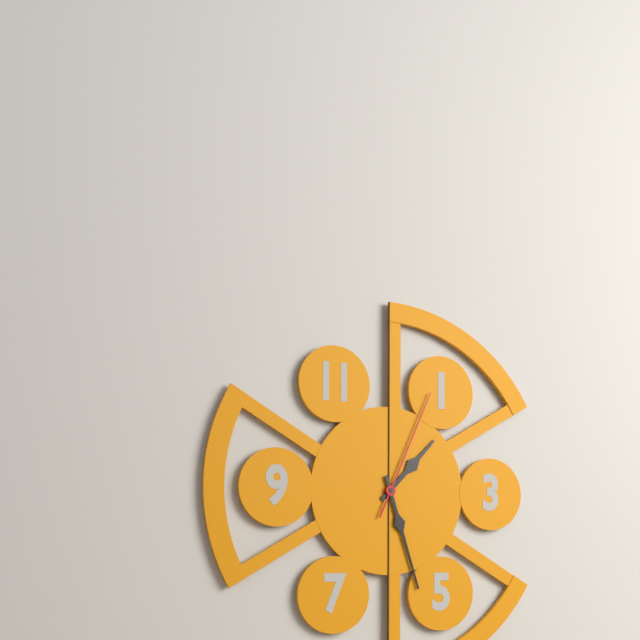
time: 1:27:04
